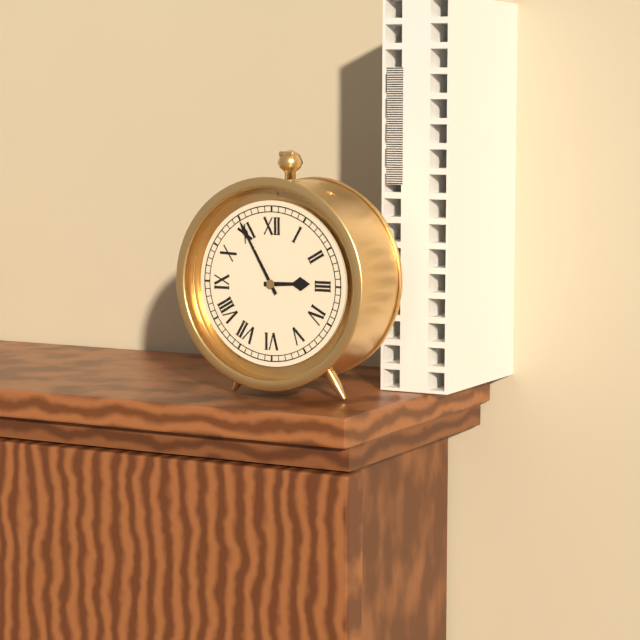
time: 2:55
